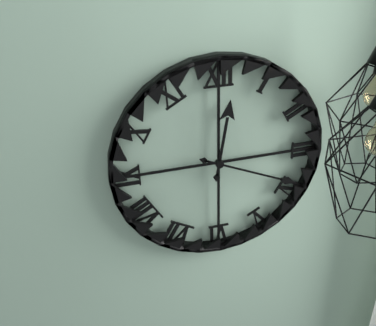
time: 12:19
